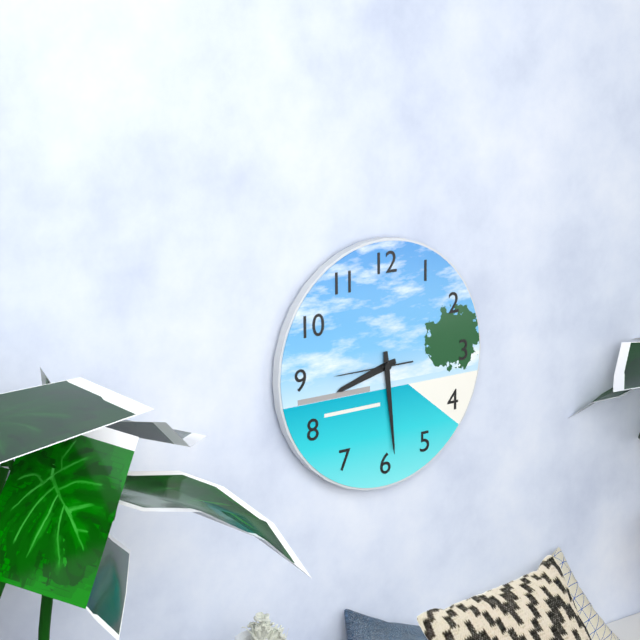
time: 8:29:45
